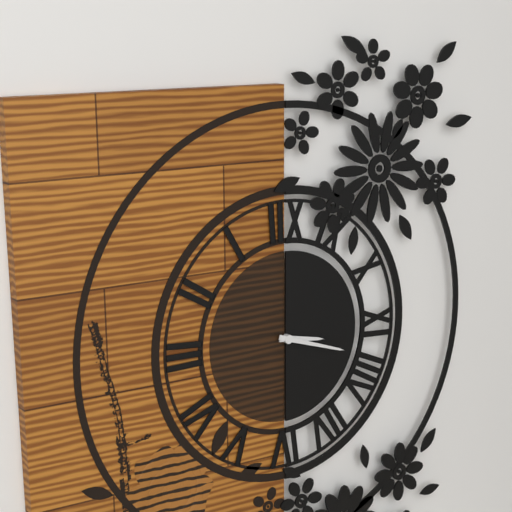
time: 3:18
